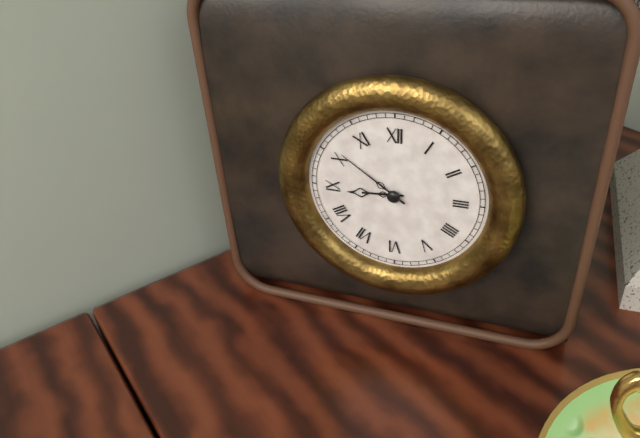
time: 8:51
